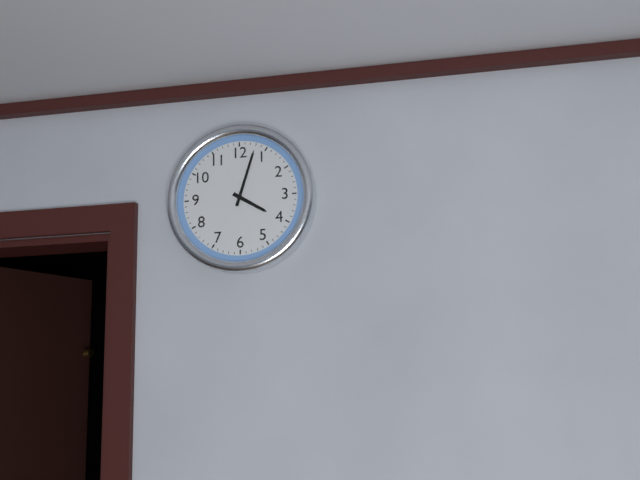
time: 4:03
